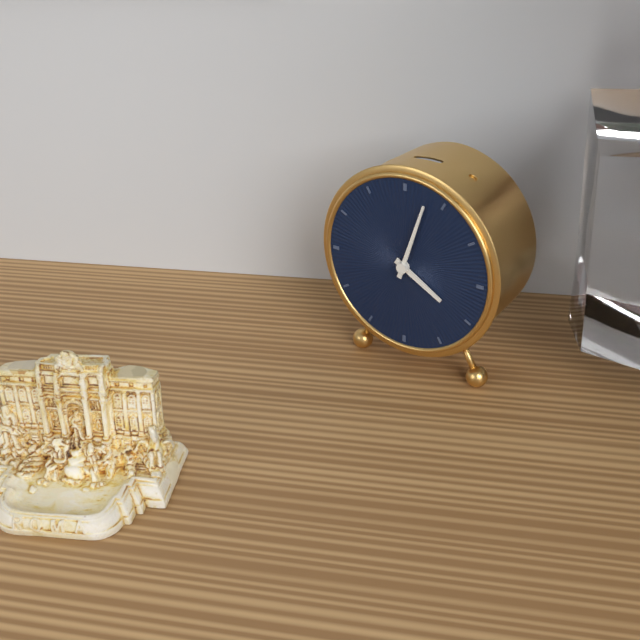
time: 4:03
